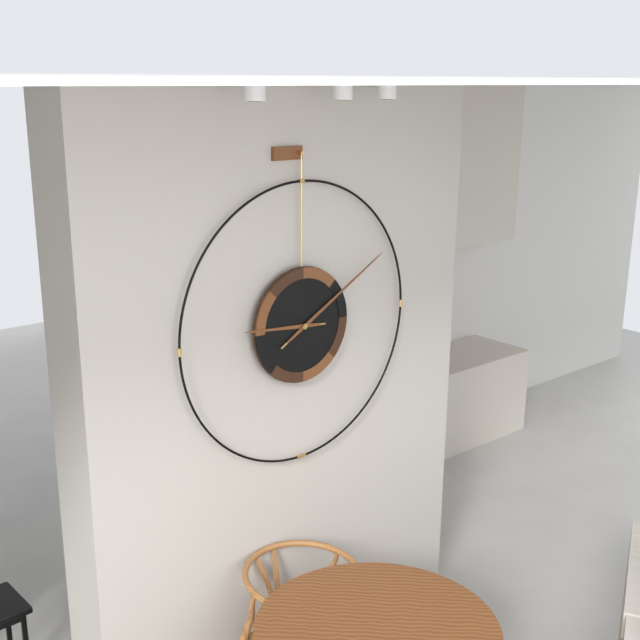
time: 9:10
